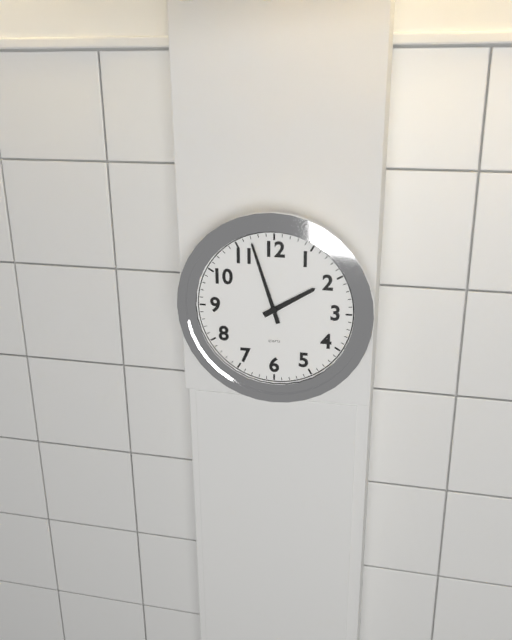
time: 1:57
